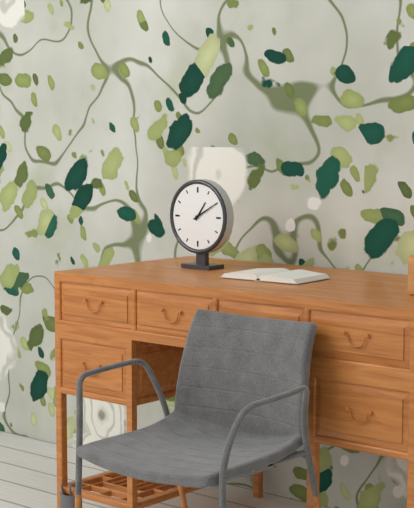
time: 1:10
